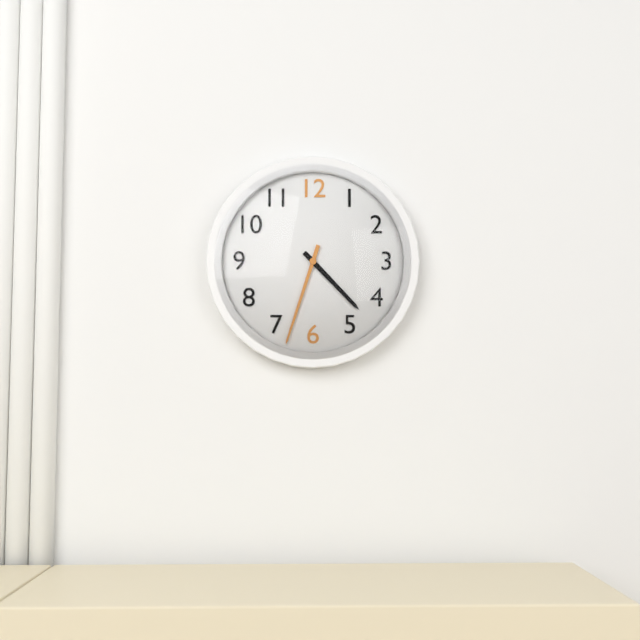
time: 4:33
